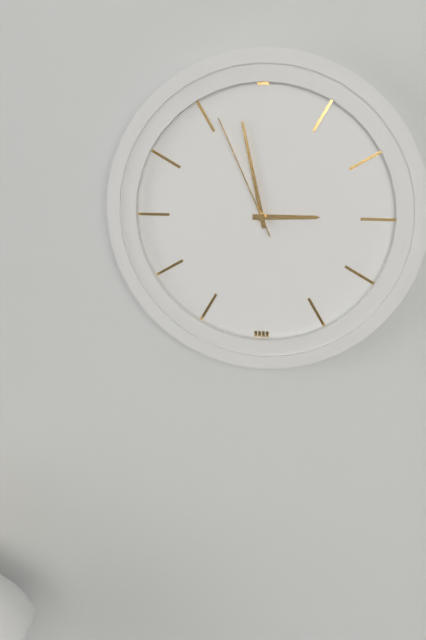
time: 2:58:56
